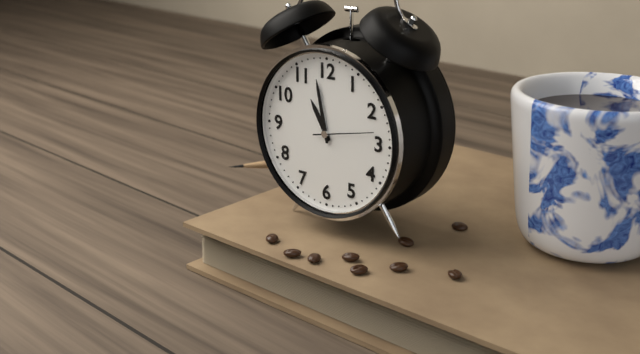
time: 10:58:13
